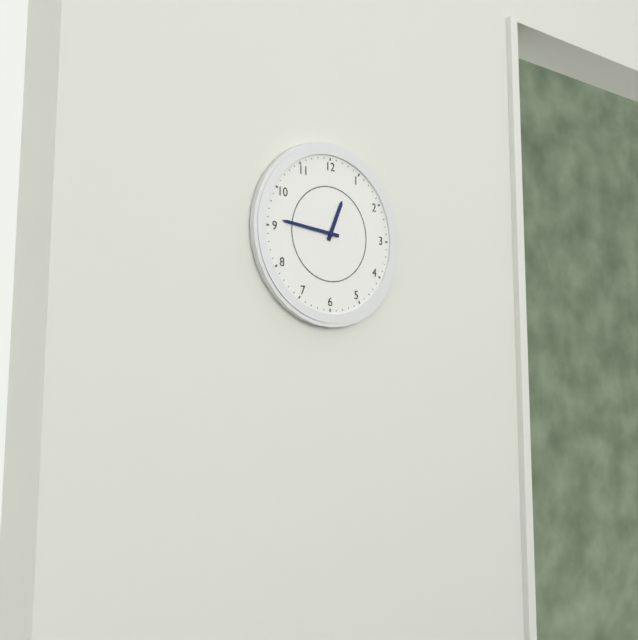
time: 12:46
